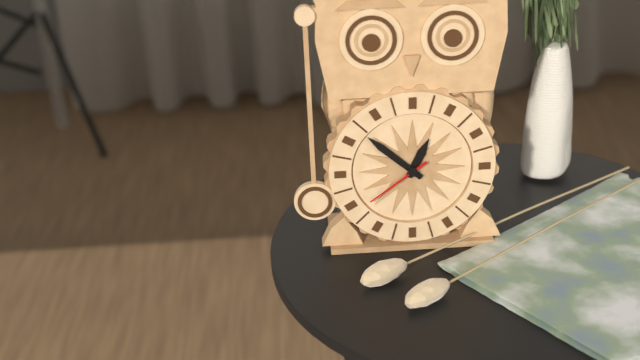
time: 12:52:39
